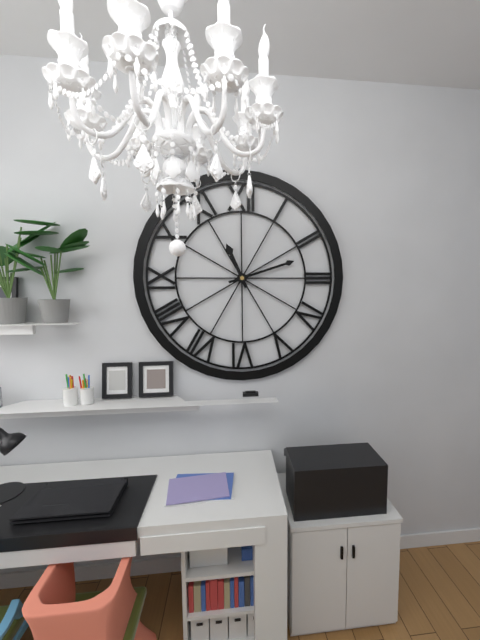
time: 11:12
